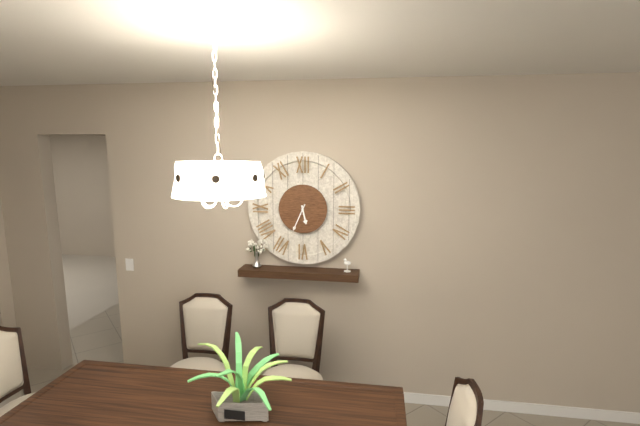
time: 5:34
